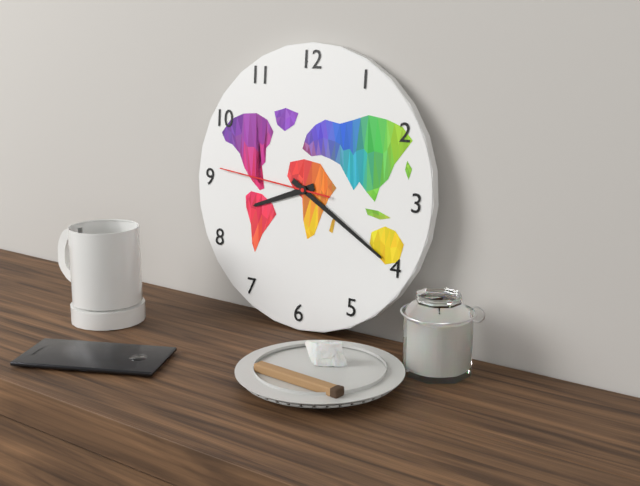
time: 8:20:46
